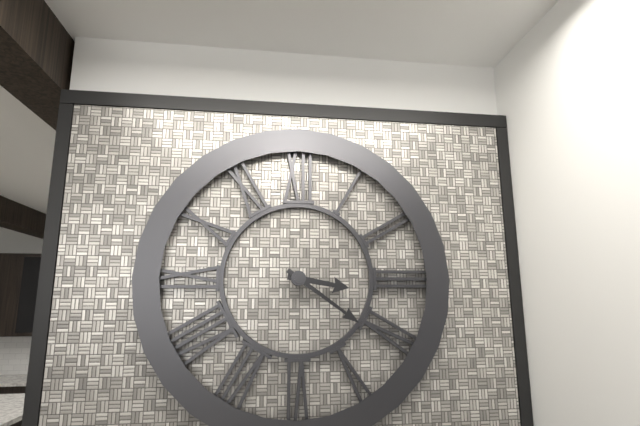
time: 3:21
